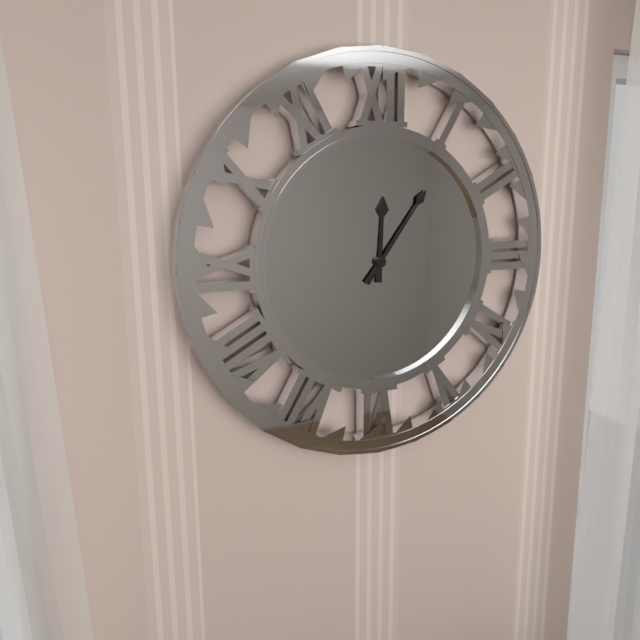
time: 12:06
